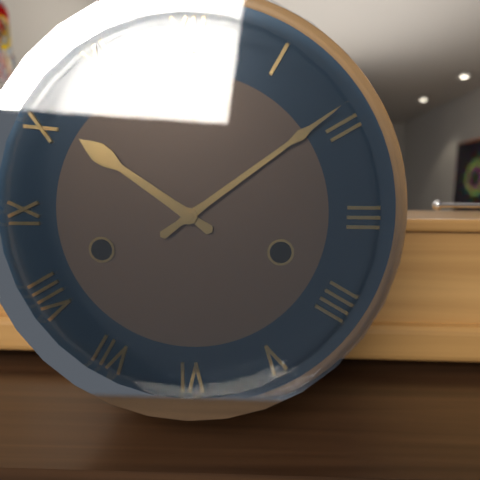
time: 10:09
